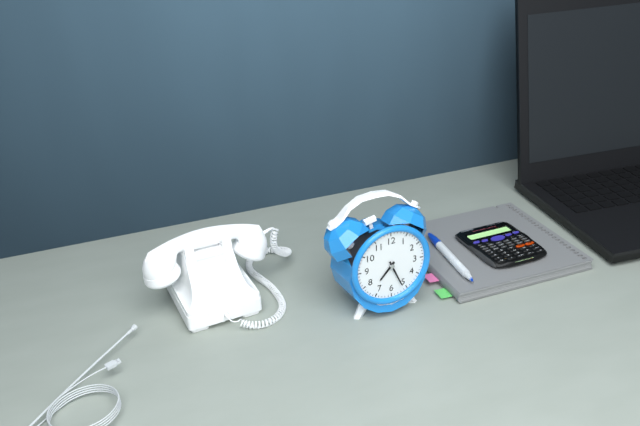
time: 7:26
